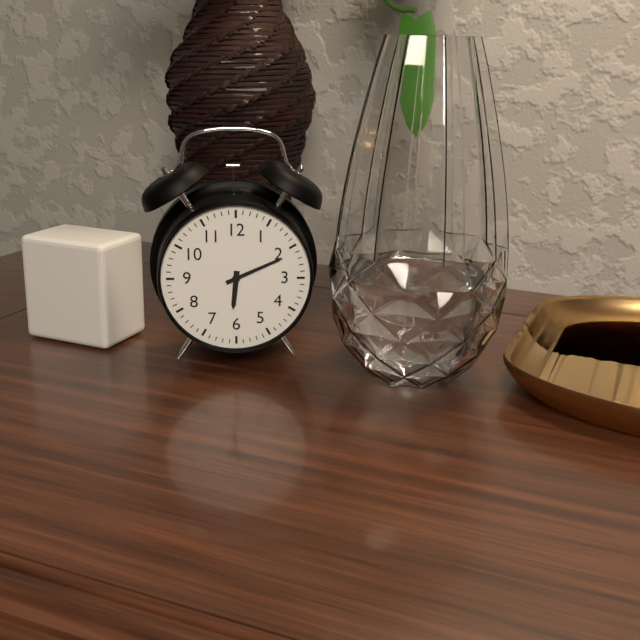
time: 6:11
